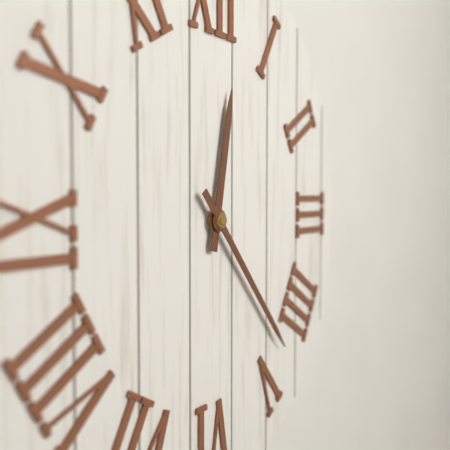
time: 12:23
